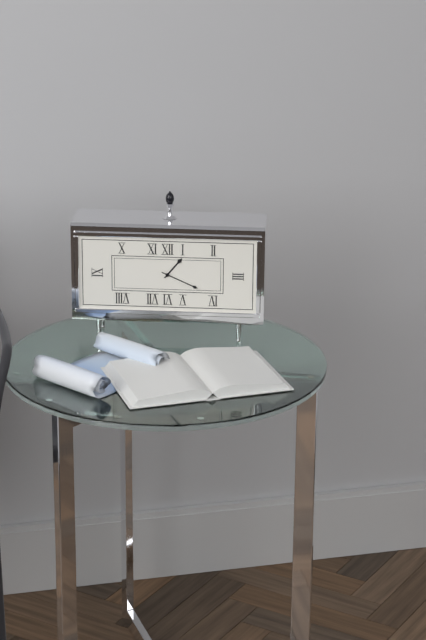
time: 1:19
